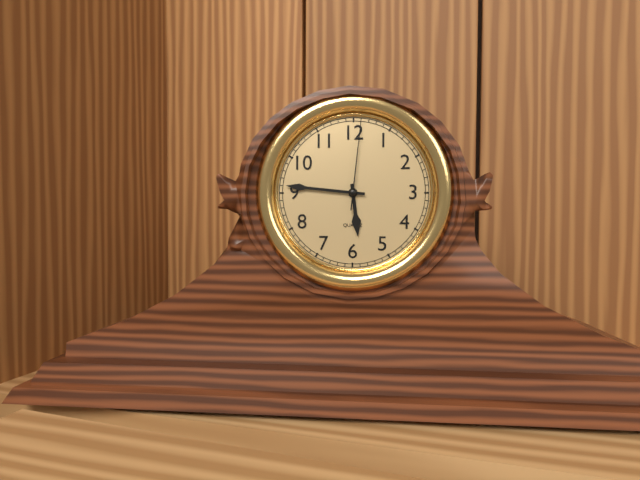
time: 5:46:01
